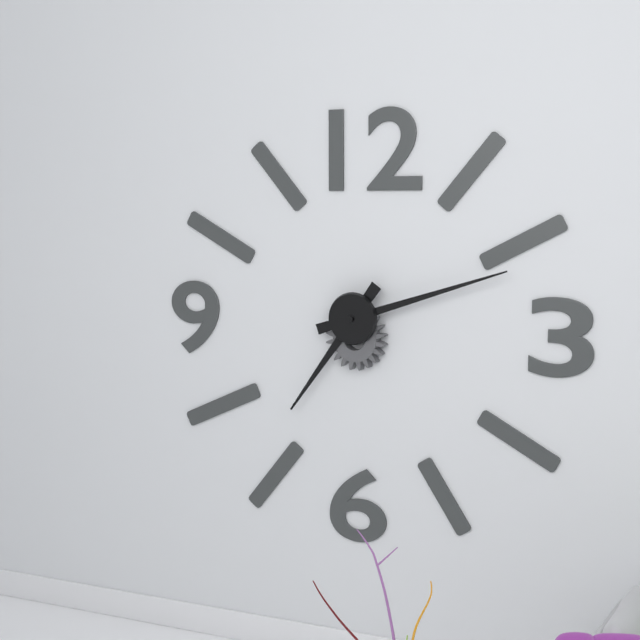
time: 7:12
